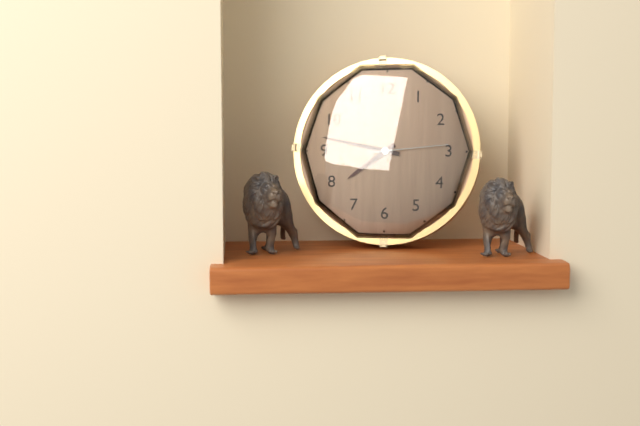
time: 7:47:14
